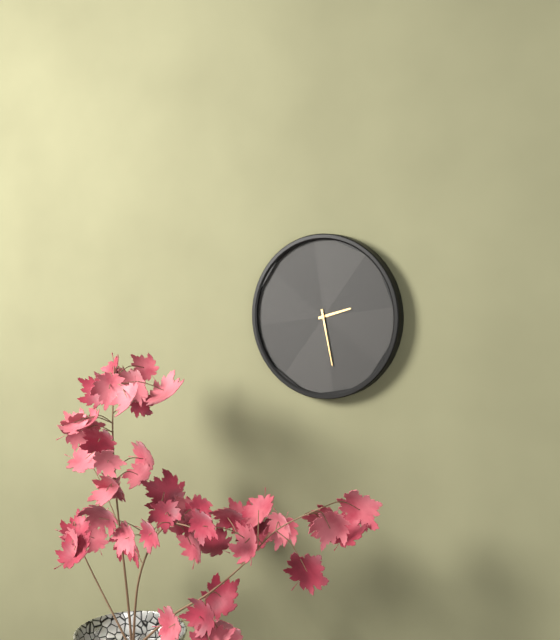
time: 2:28
